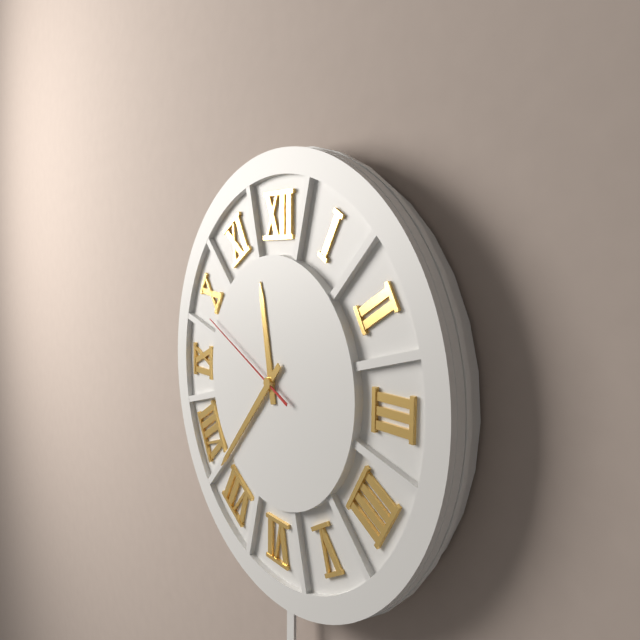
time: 11:37:49
